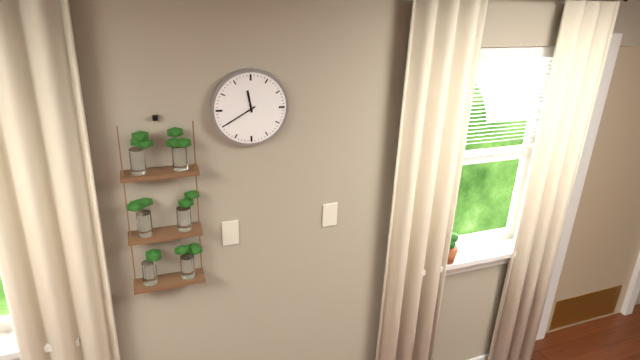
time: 11:40
